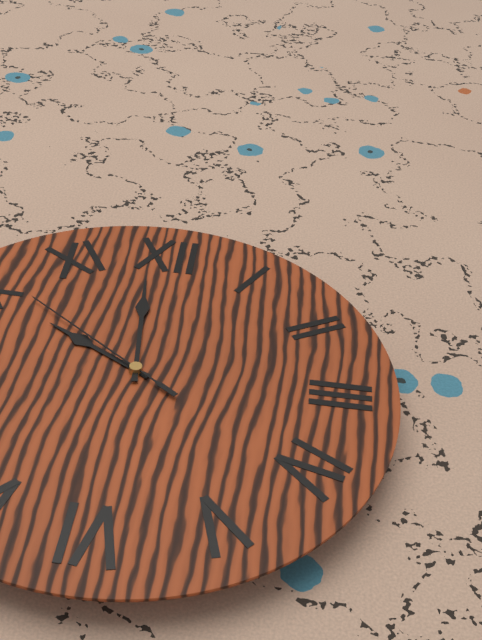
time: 9:59:51
